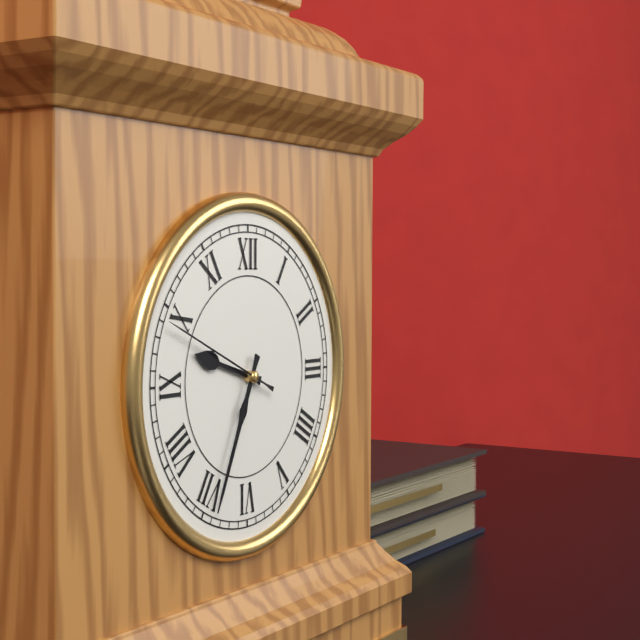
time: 9:34:49
